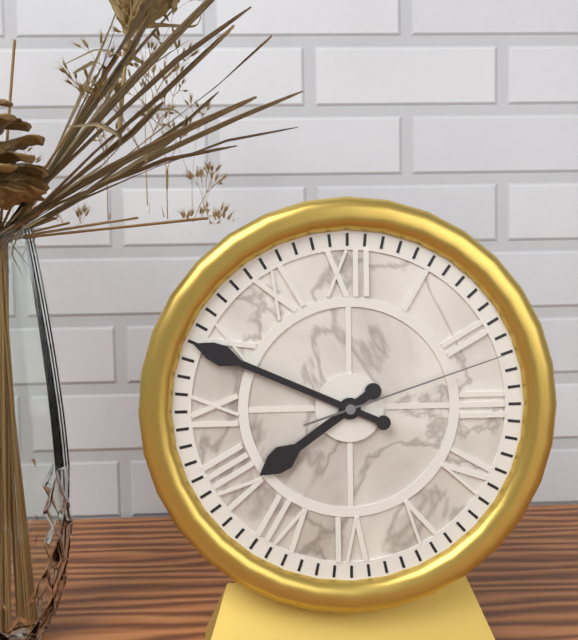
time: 7:49:12
